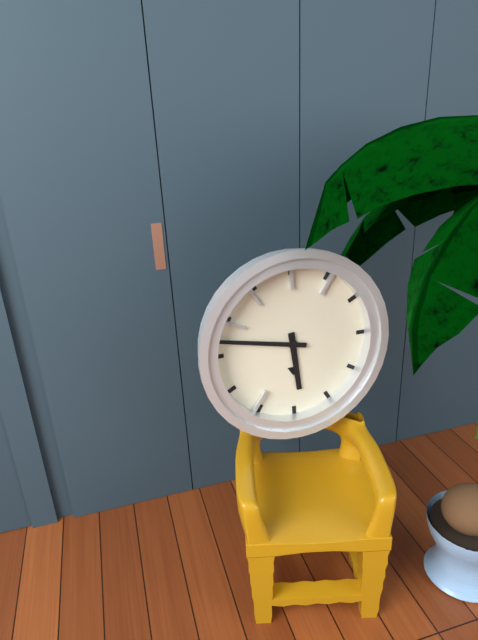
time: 5:47
